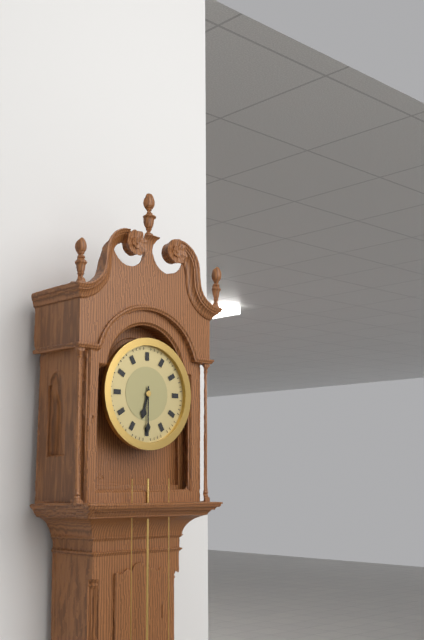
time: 6:30
